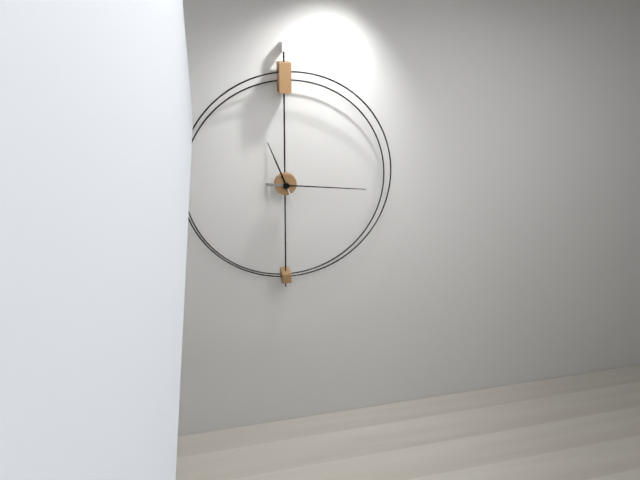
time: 11:16
